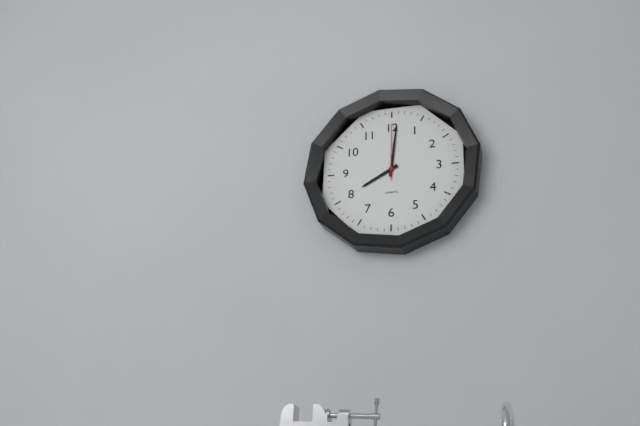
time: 8:01:00
